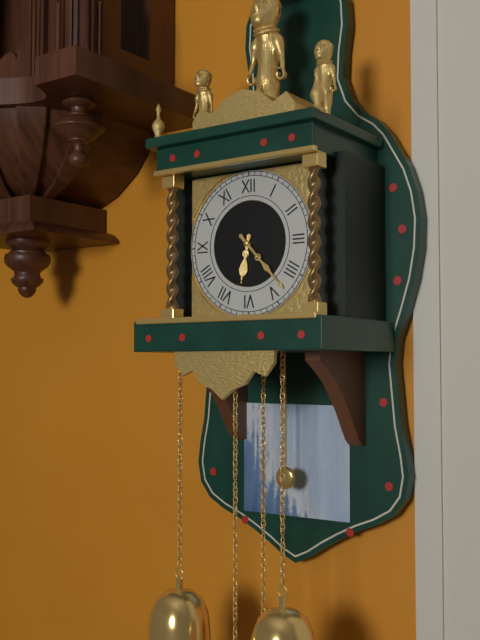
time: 6:23
